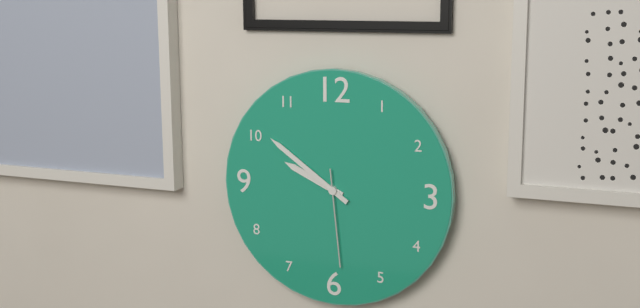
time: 9:51:29
